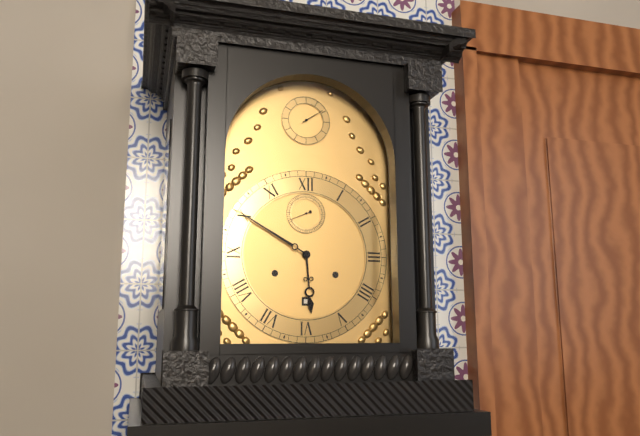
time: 5:50
